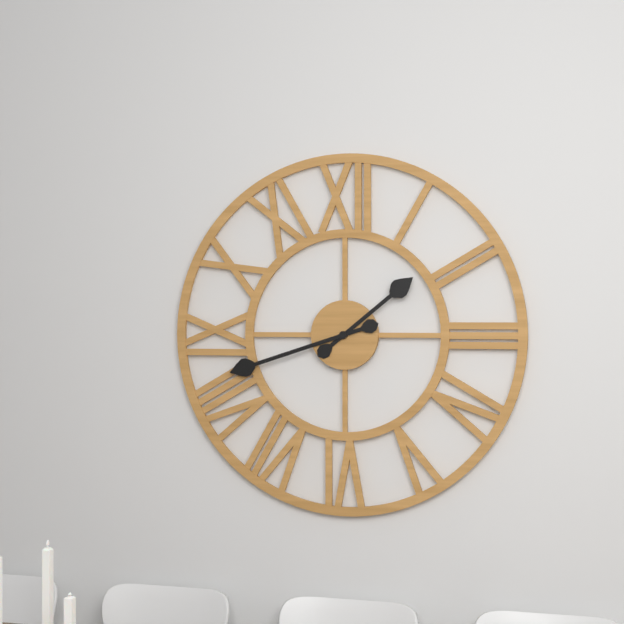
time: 1:42
